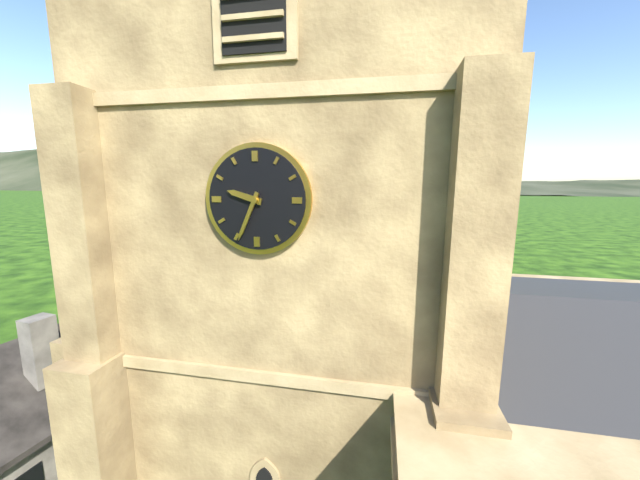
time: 9:34
